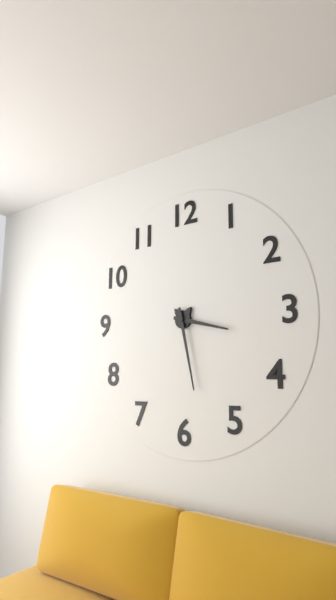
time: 3:28
